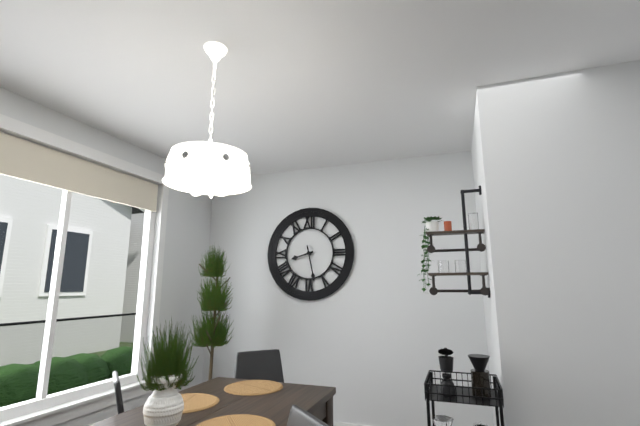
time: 8:28
